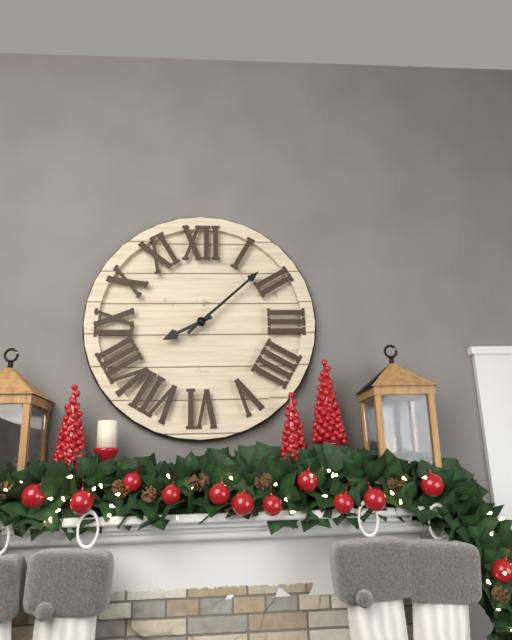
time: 8:08
